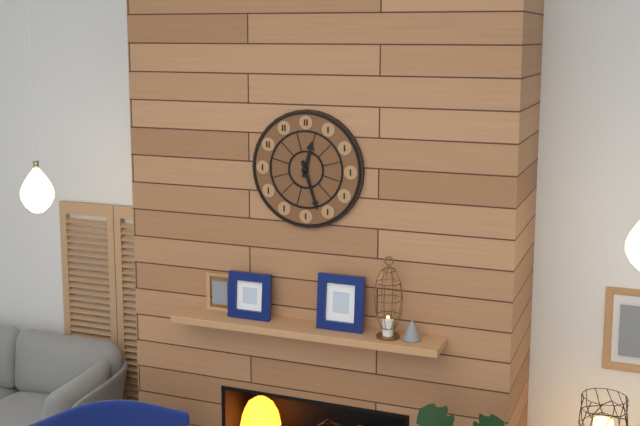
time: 12:27
